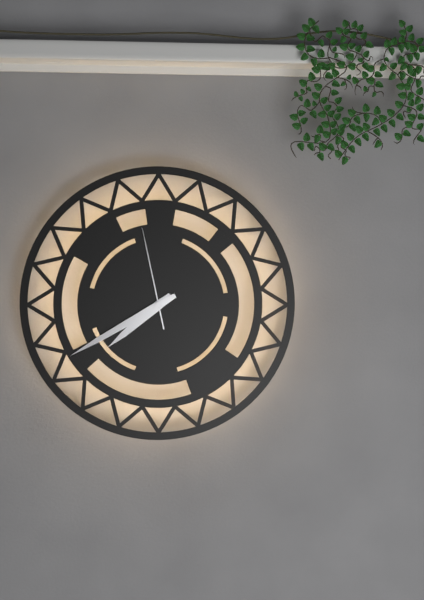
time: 7:40:58
